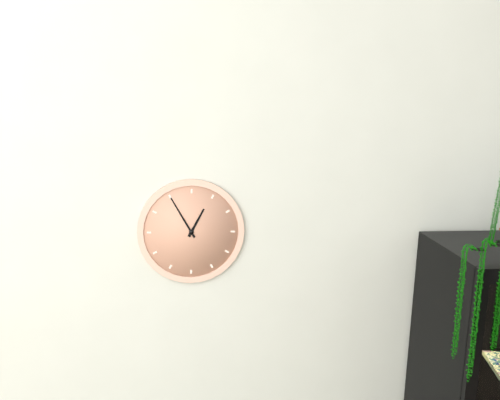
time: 12:55
